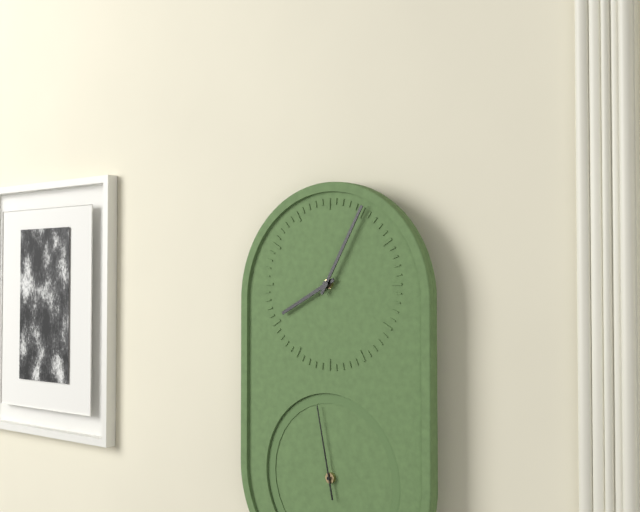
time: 8:05:58
